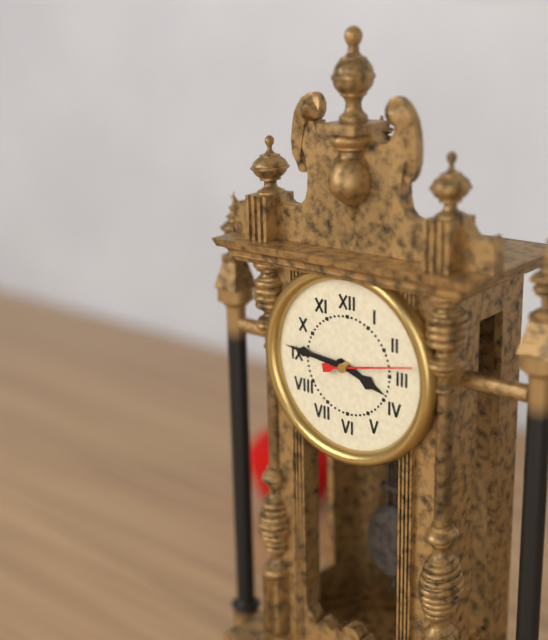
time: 3:46:13
